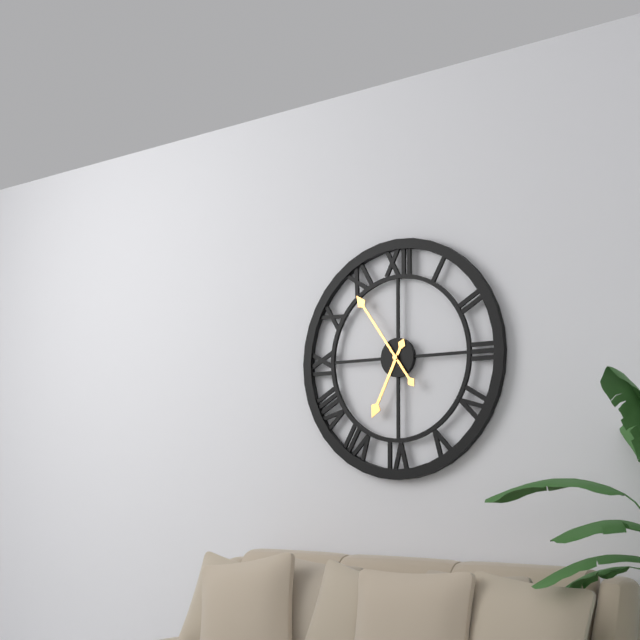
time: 6:54
